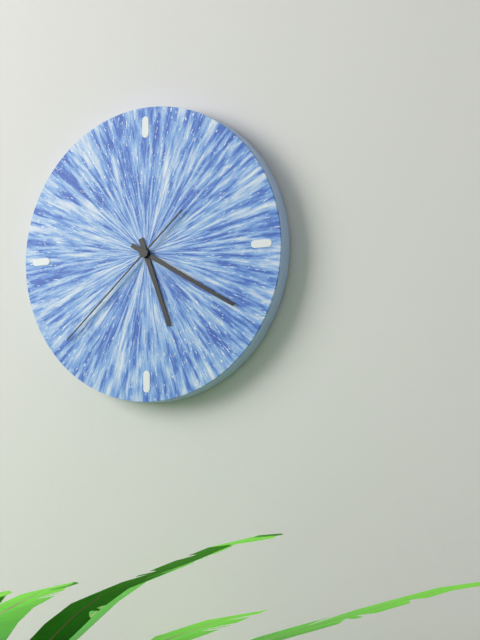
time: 5:20:38
